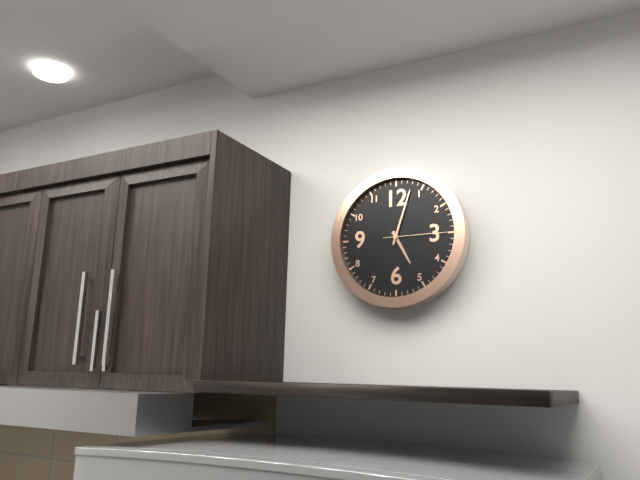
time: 5:03:15
